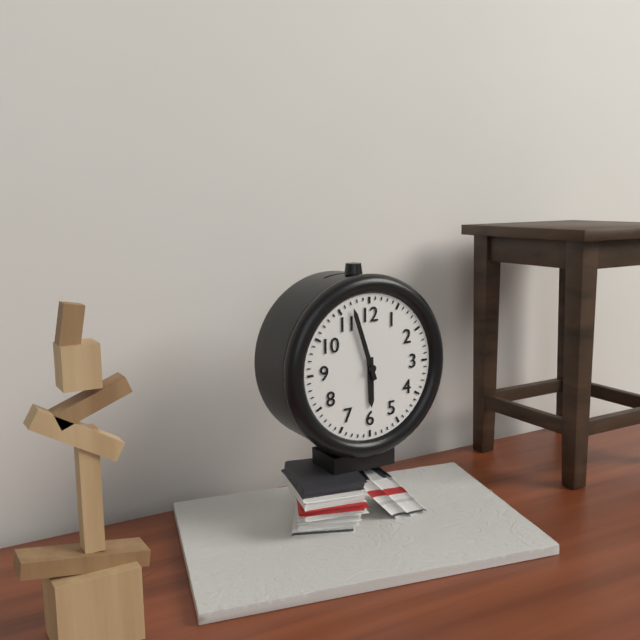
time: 5:57
